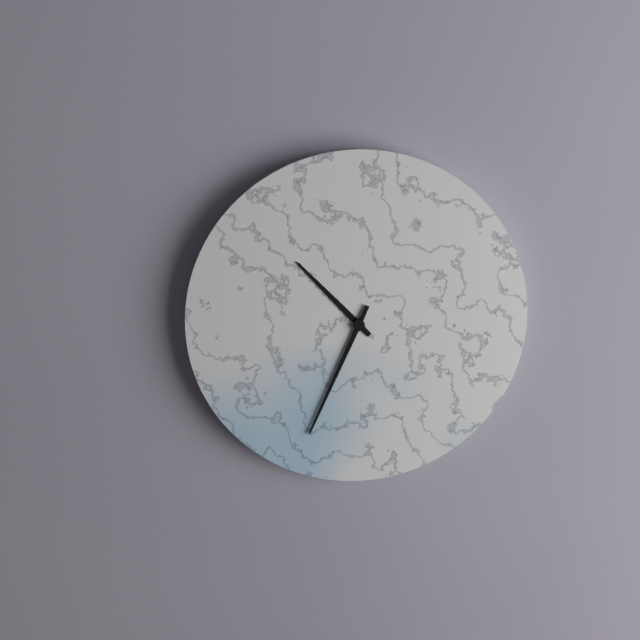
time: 10:34
